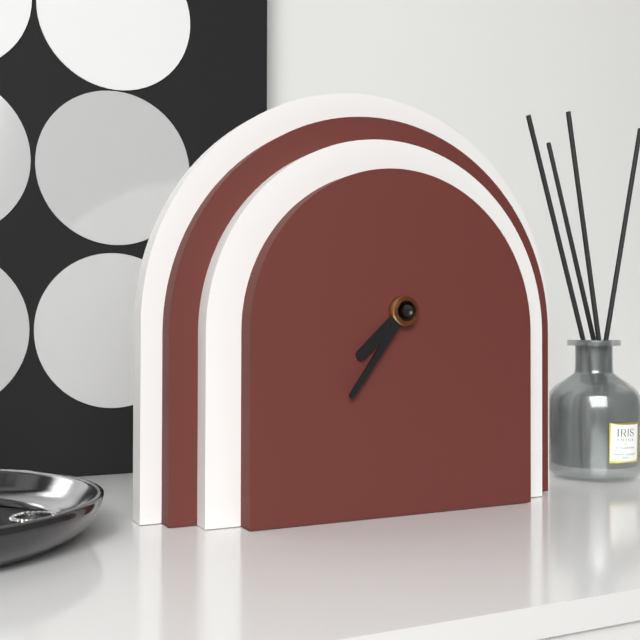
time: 7:36
